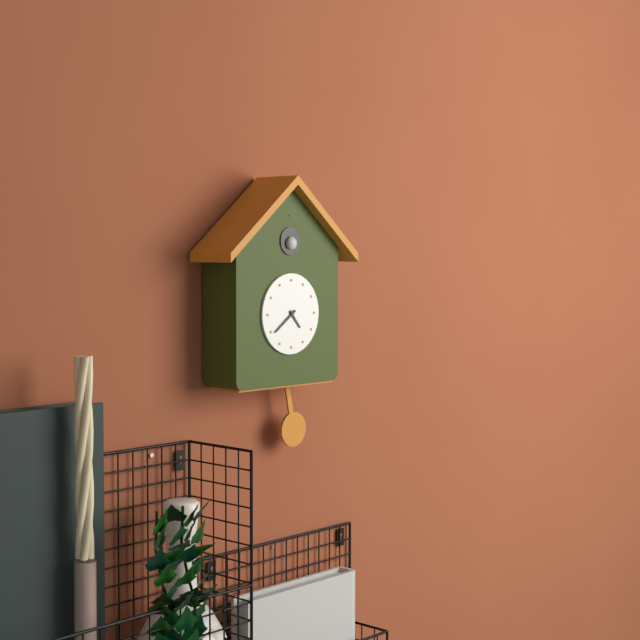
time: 4:39
